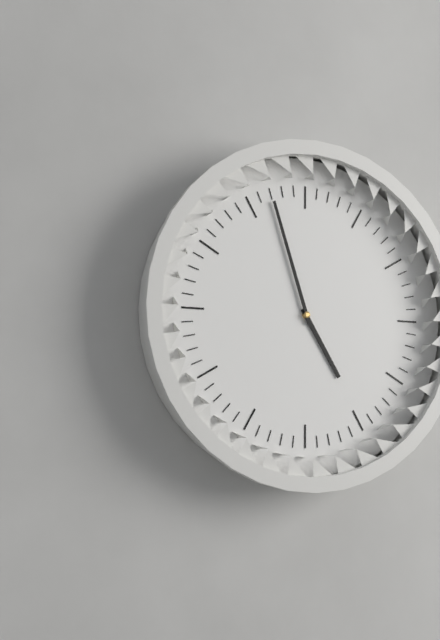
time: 4:57
